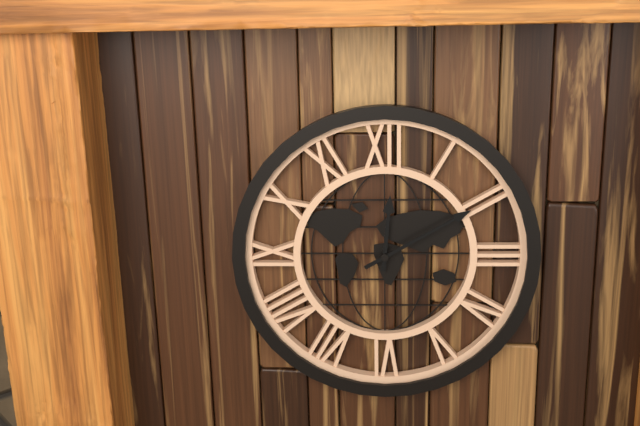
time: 12:10
